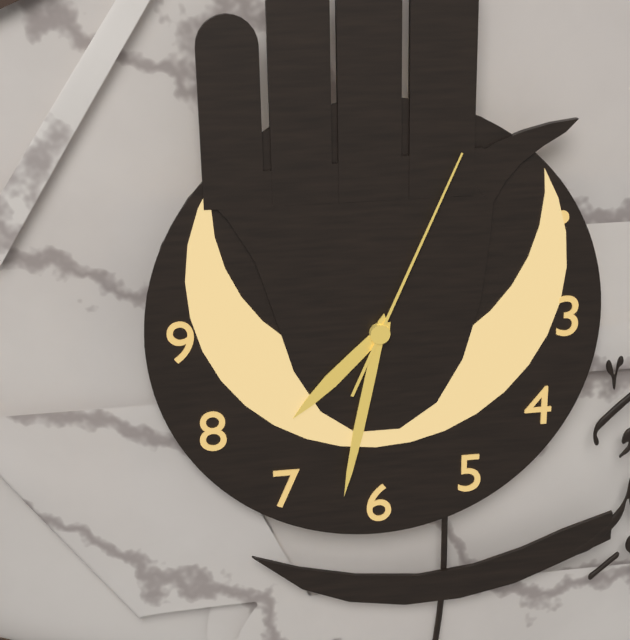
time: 7:32:04
